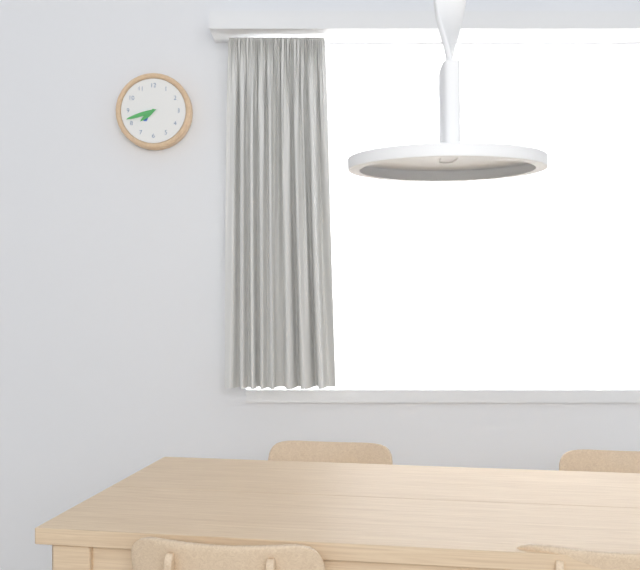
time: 7:42
